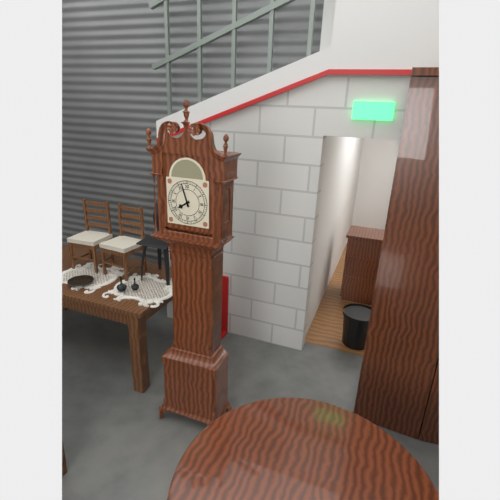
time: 7:57
